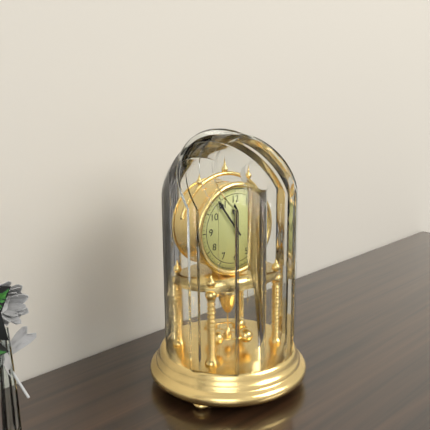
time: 11:54
